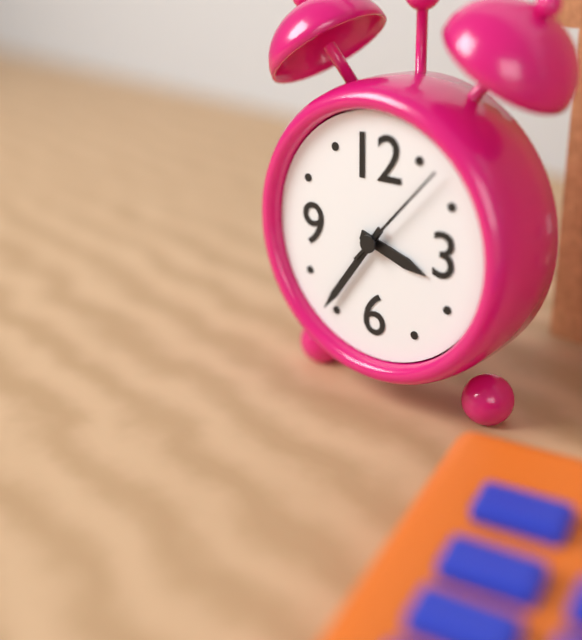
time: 3:36:07
